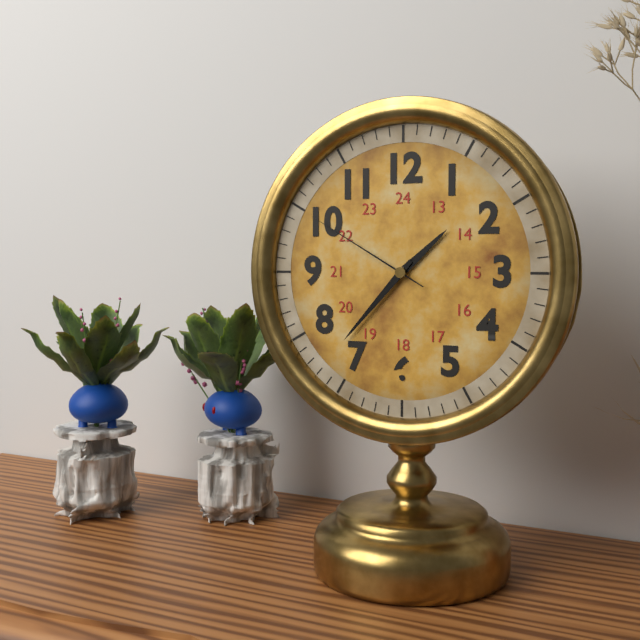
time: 1:37:50
